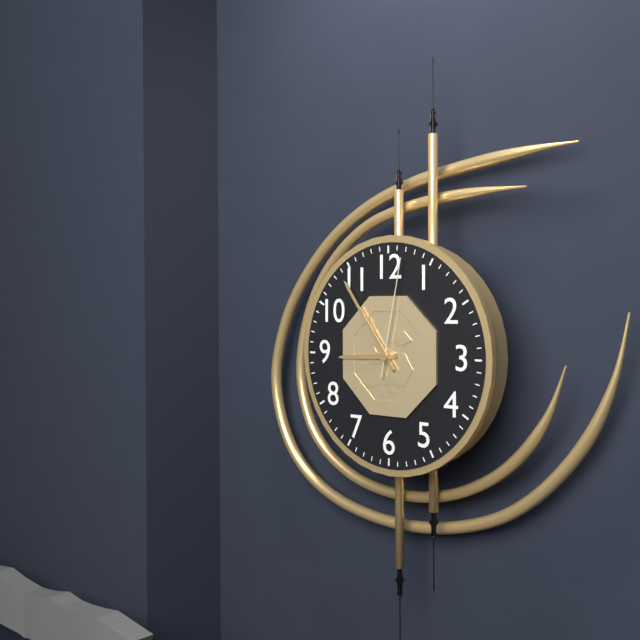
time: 8:54:02
